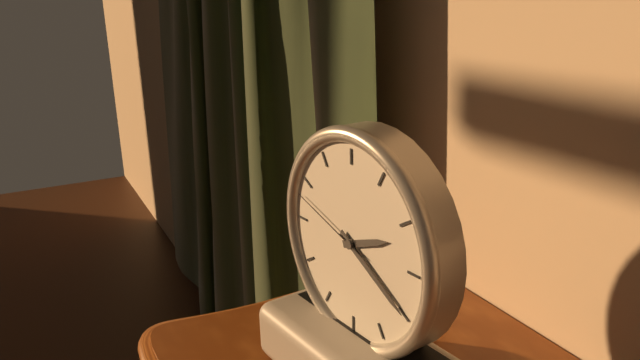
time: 2:20:48
